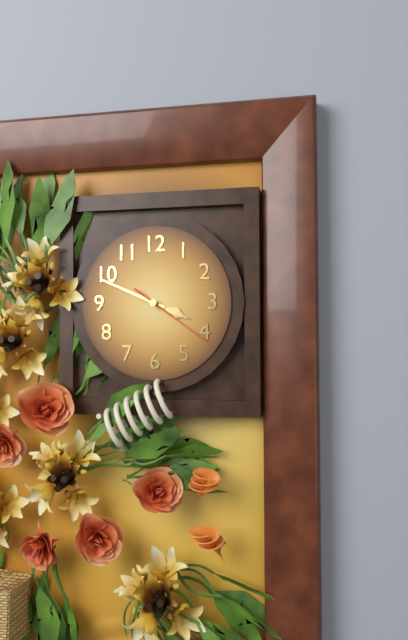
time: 3:49:21
